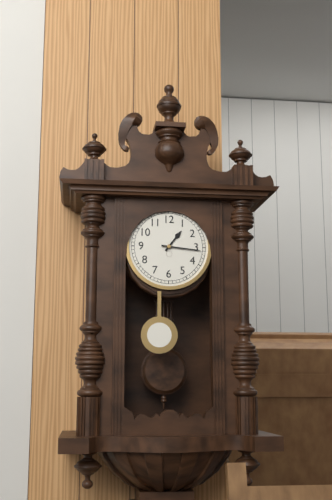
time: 1:16
